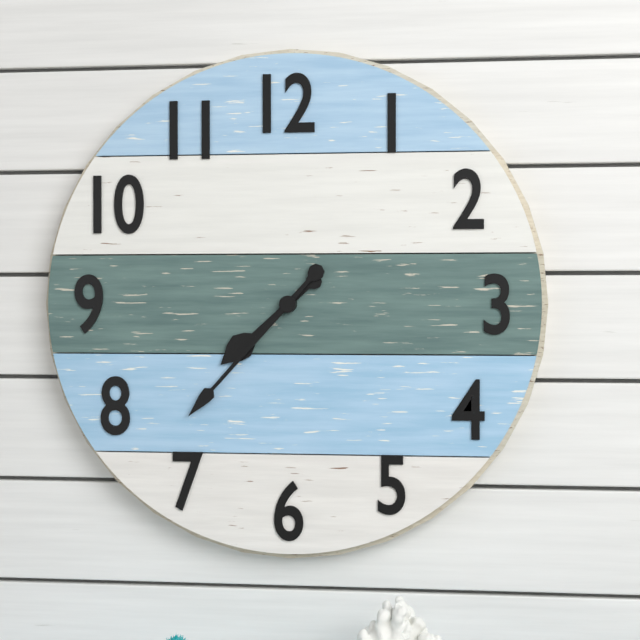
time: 7:37
